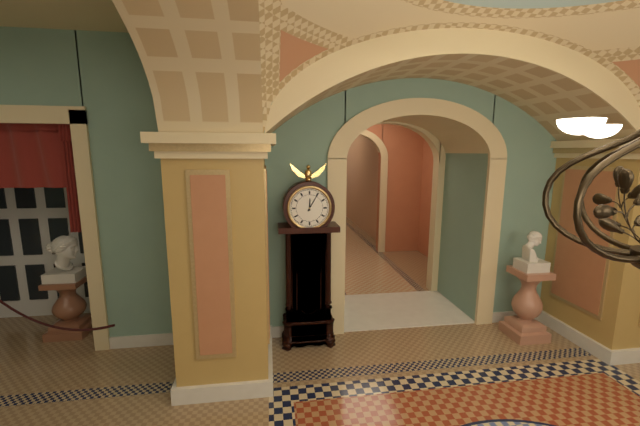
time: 12:05
